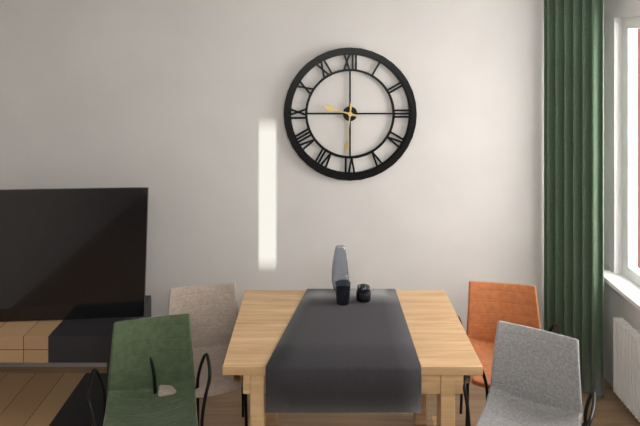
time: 9:31
